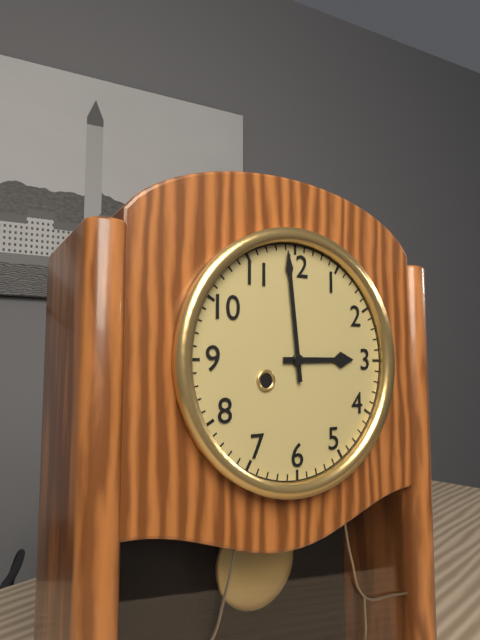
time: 2:59
